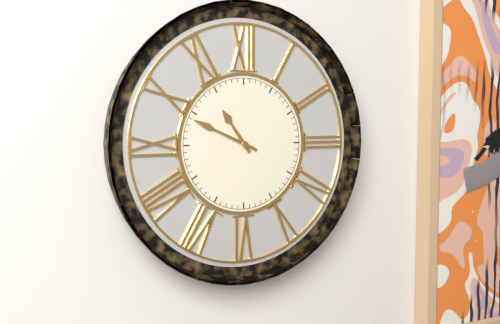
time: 10:49
